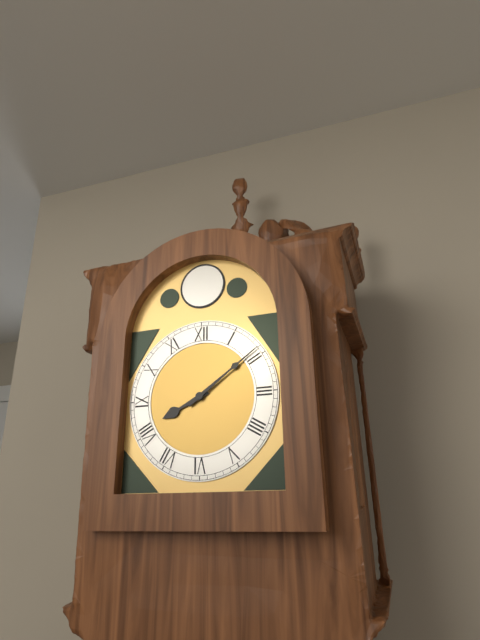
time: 8:09
